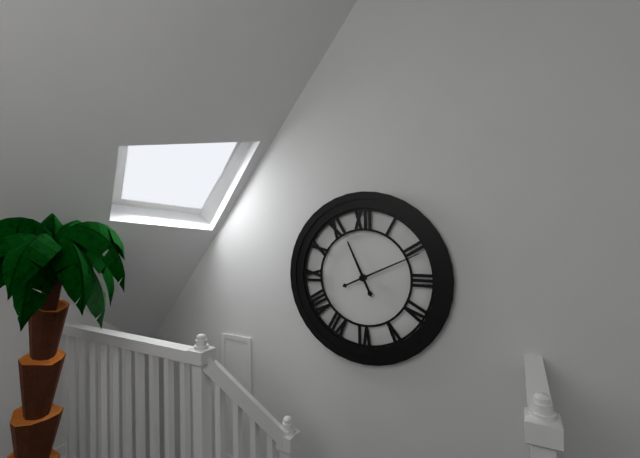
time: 11:11
